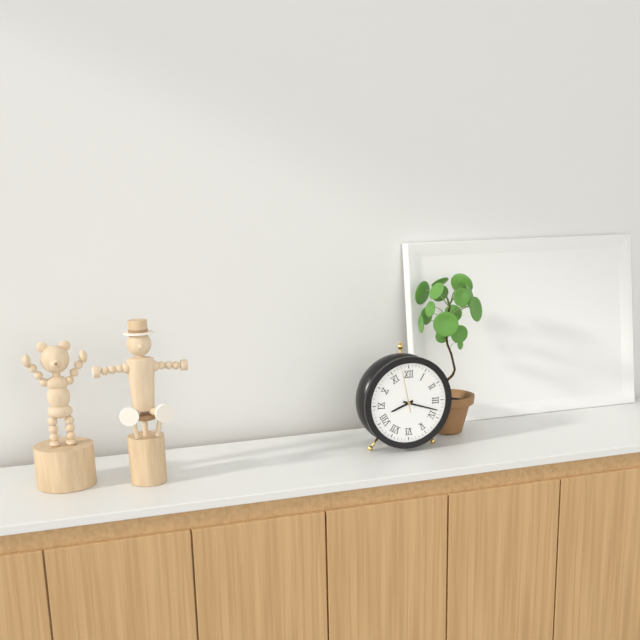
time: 8:18
